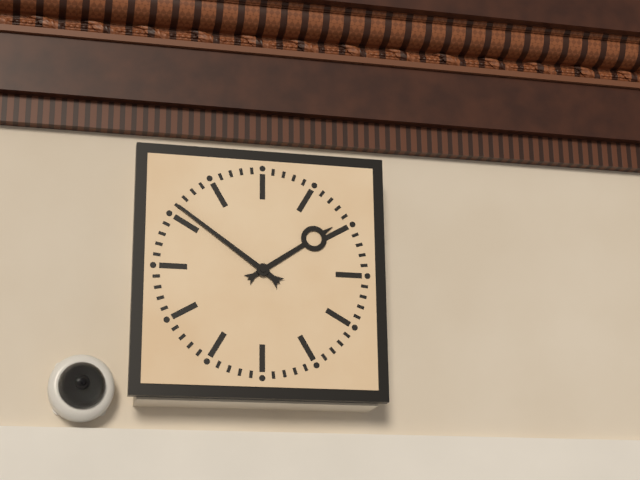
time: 1:51
